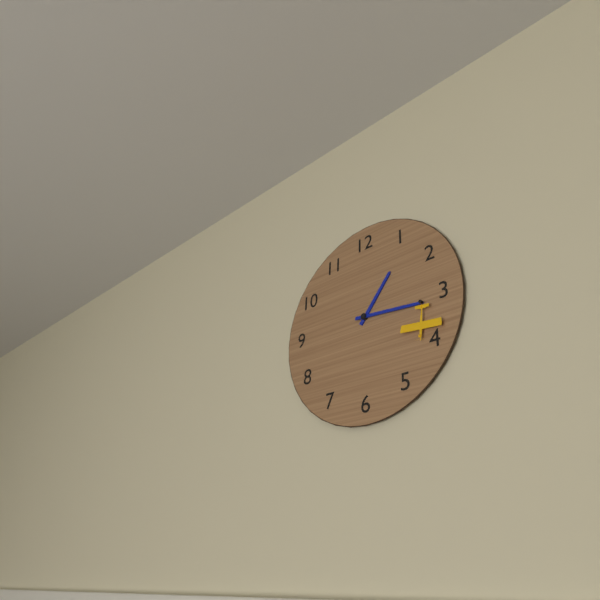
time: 1:16
